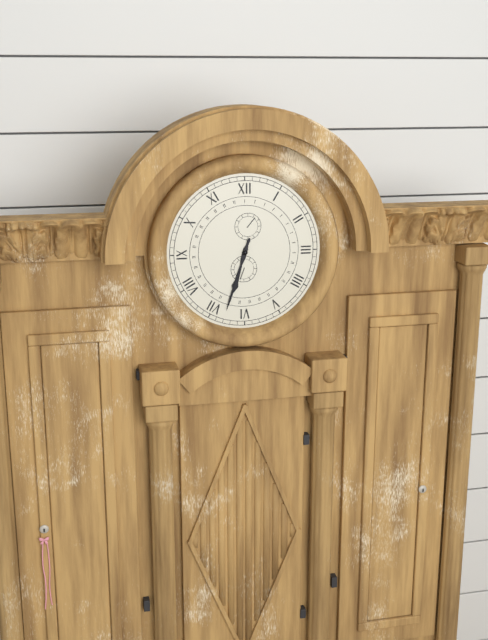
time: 6:33
